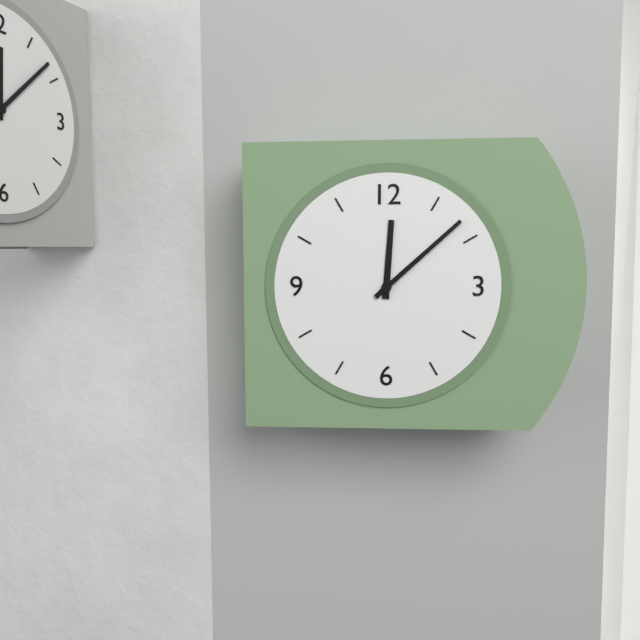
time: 12:08
